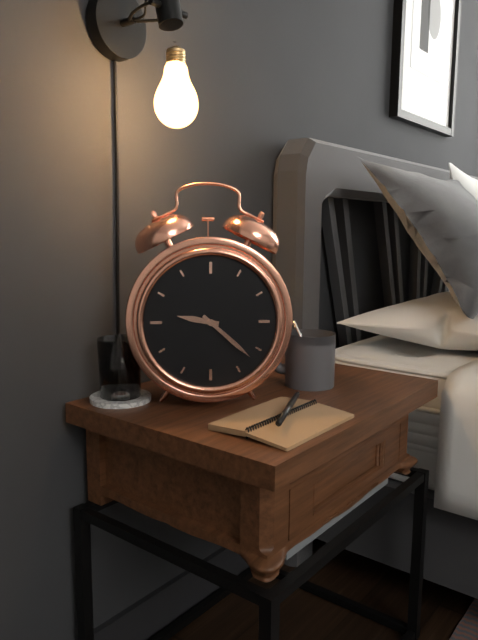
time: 9:22
